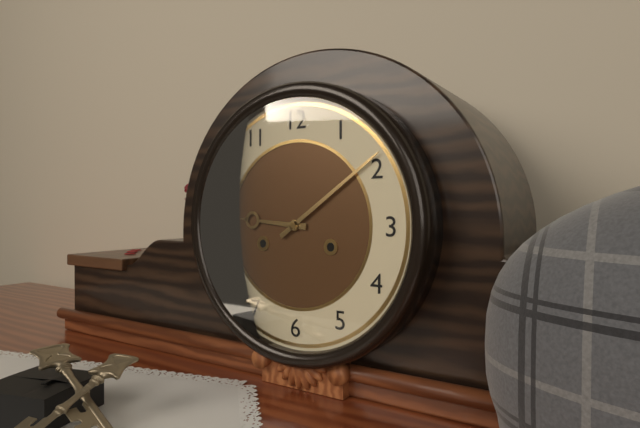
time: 9:09
